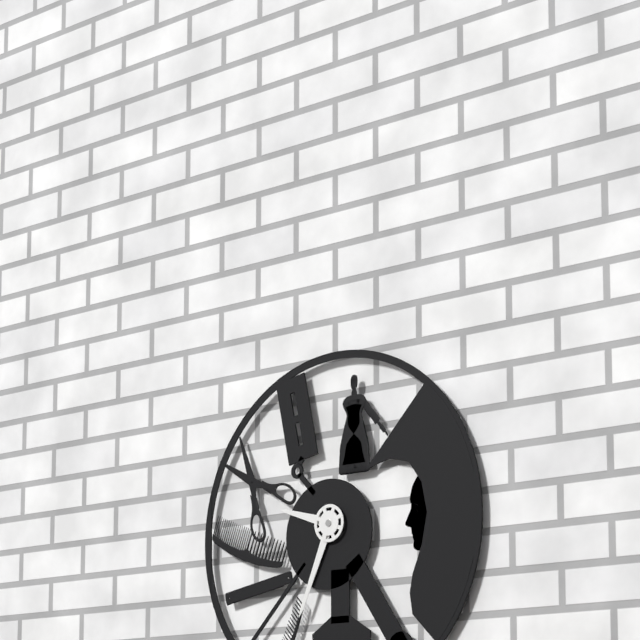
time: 9:34
